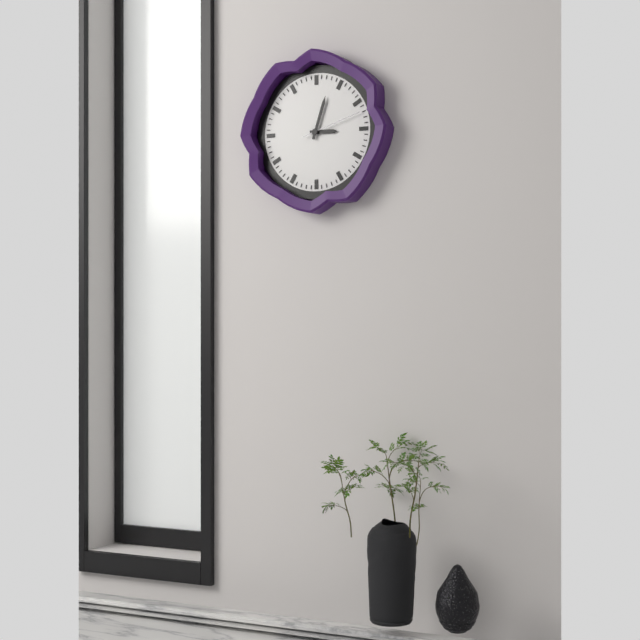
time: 3:03:12
